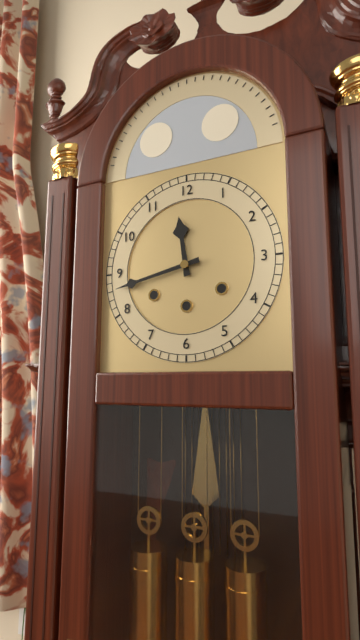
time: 11:43
